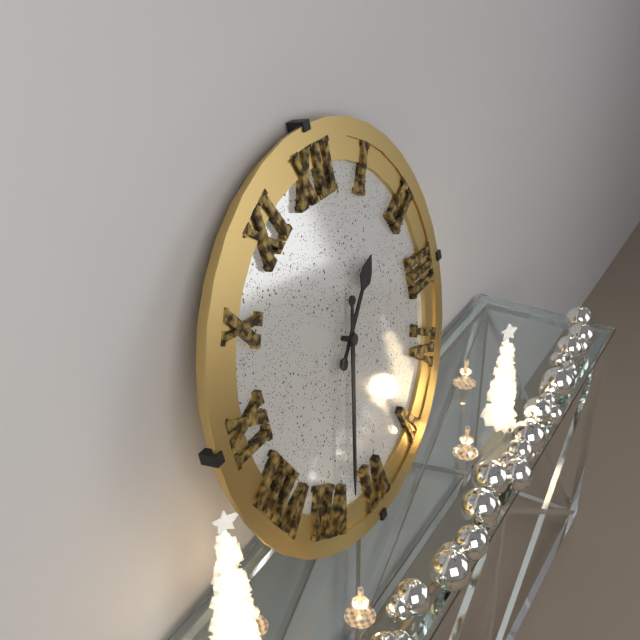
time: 1:33
